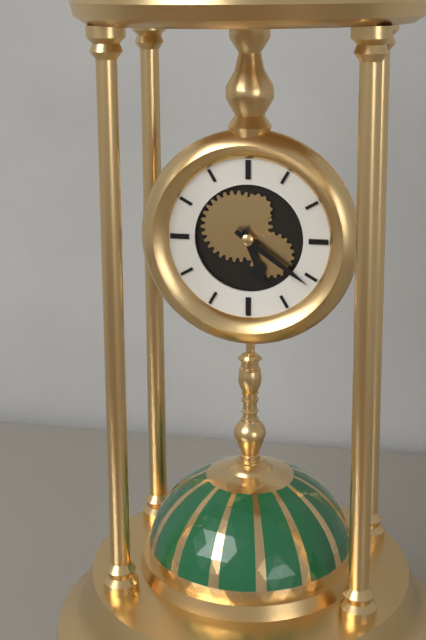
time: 5:21
